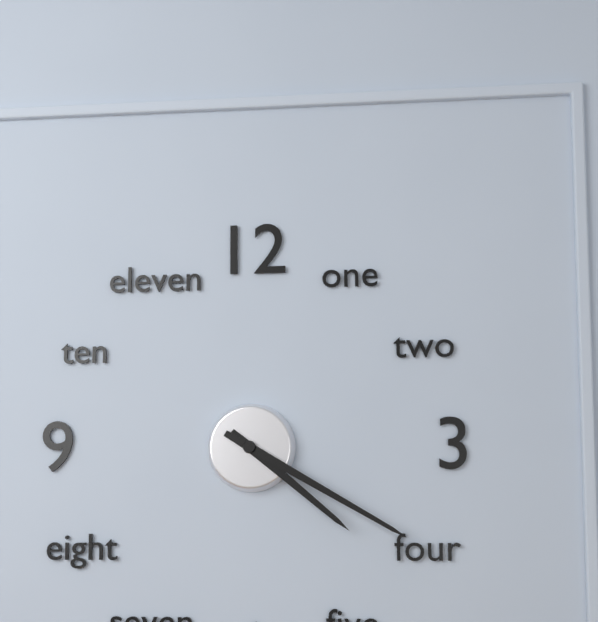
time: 4:20
